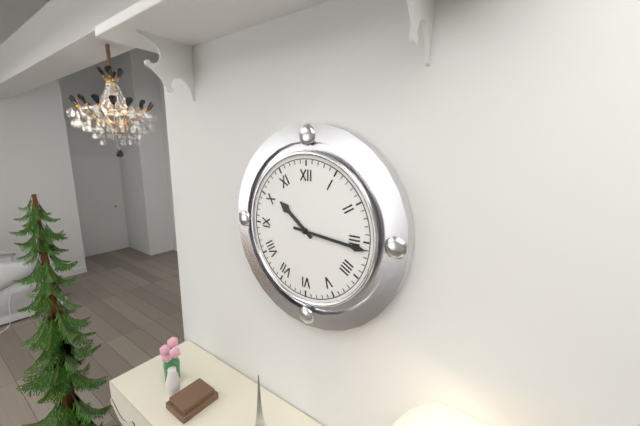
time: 10:16
